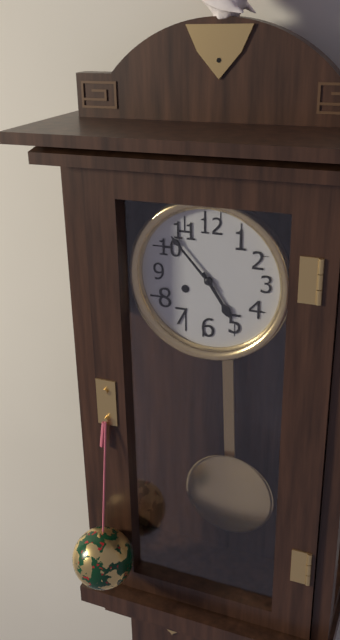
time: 4:53
